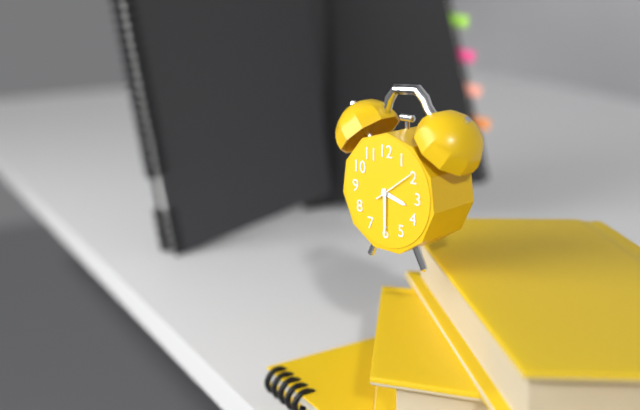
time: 3:30
